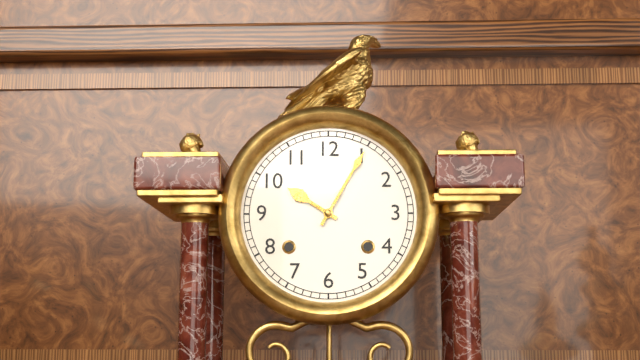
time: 10:05
